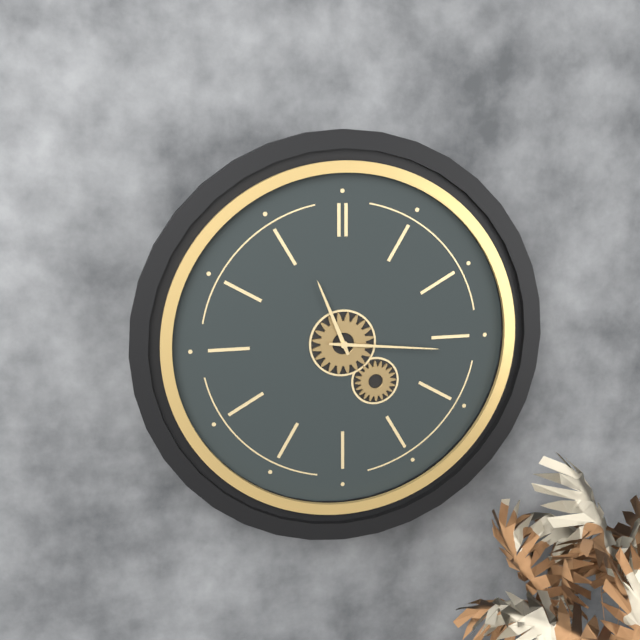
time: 11:16
